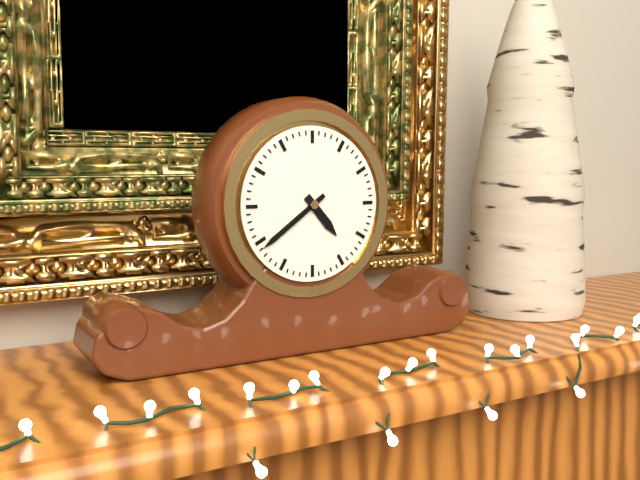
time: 4:39
